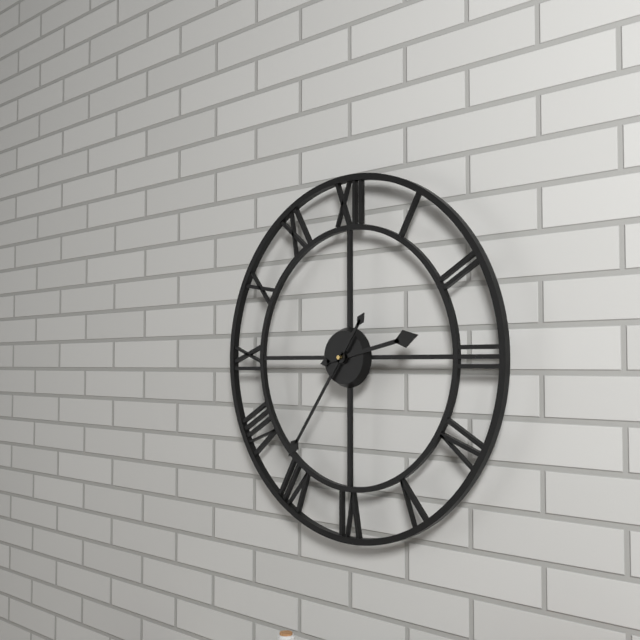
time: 2:36
